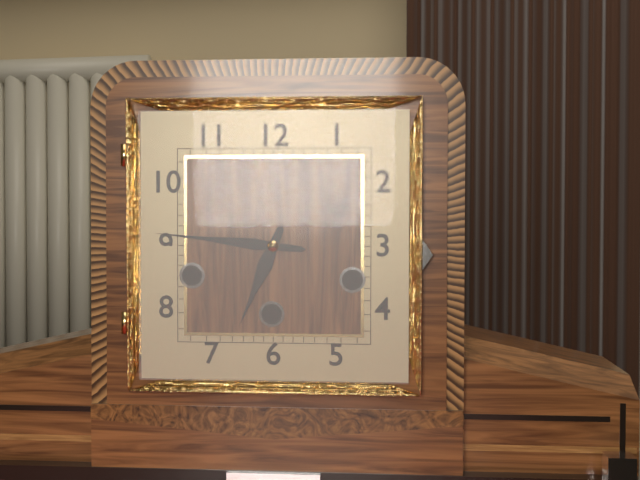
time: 6:46
